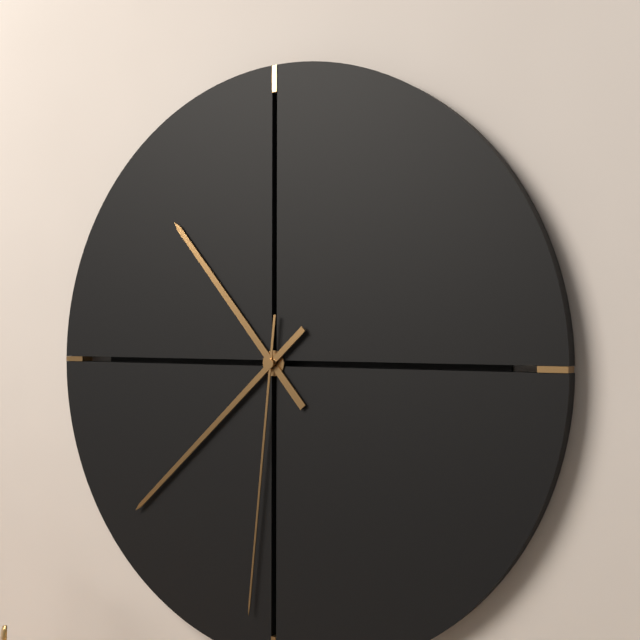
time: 10:38:31
